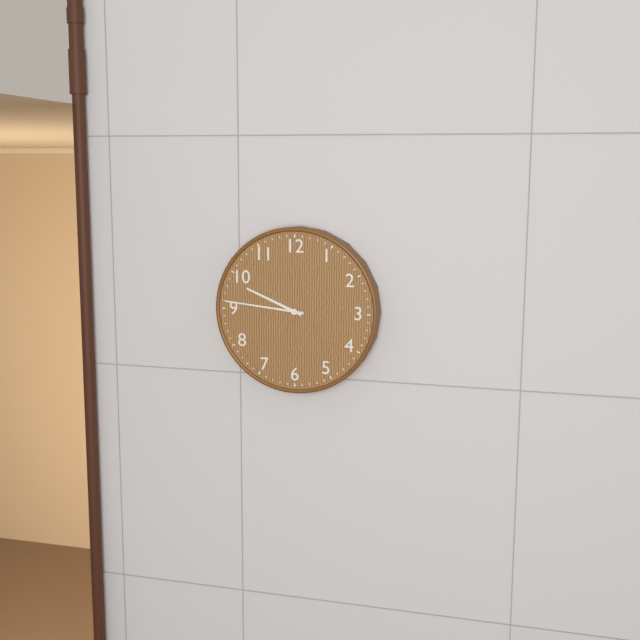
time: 9:46
